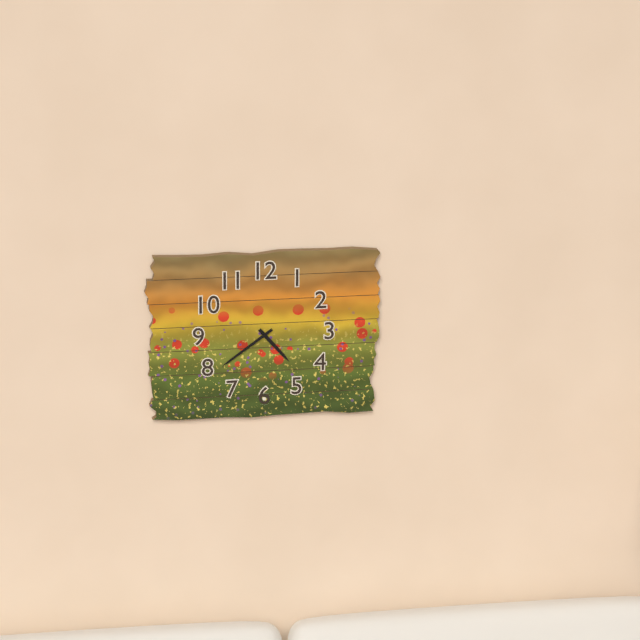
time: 4:39
